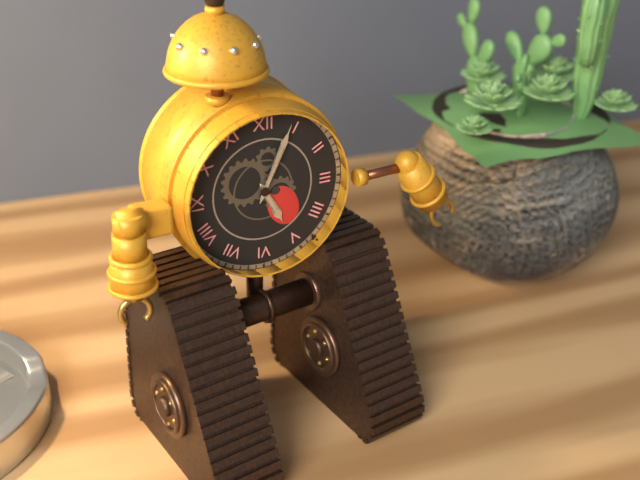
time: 5:04
